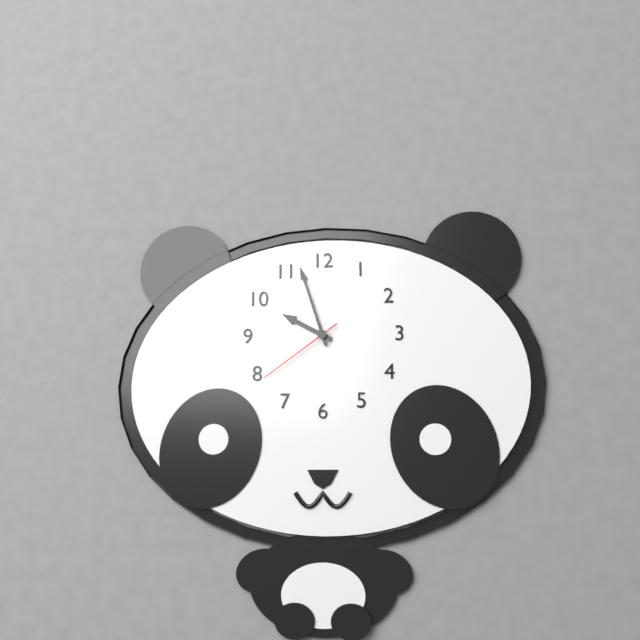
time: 9:57:39
